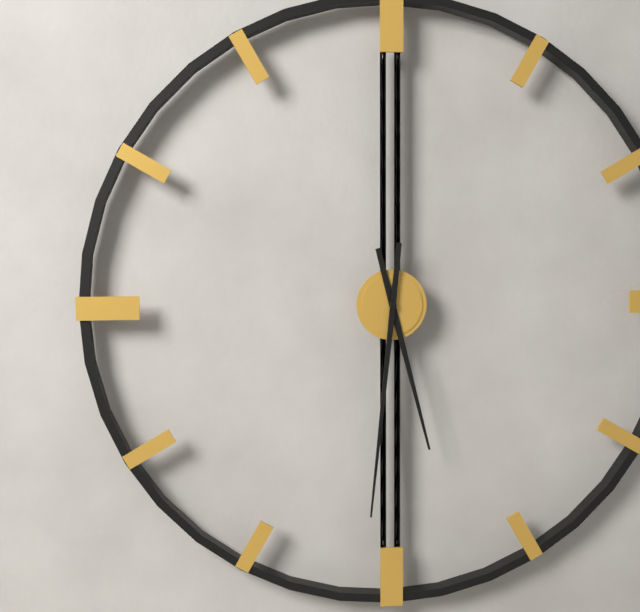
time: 5:31
